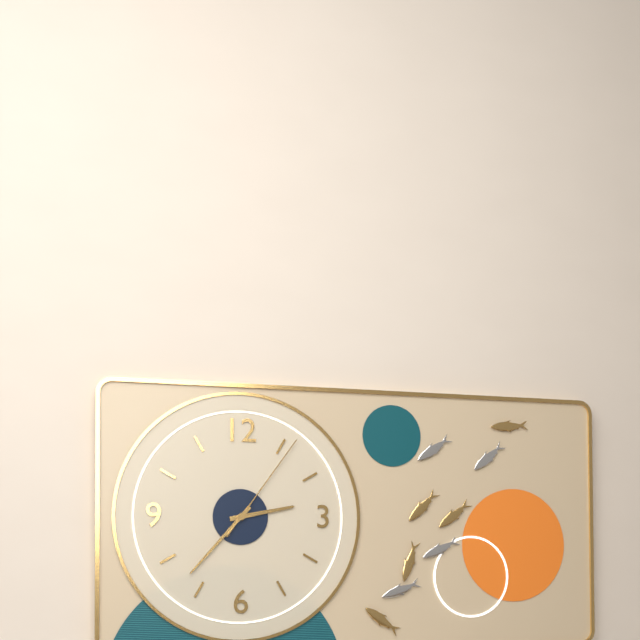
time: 2:37:06
